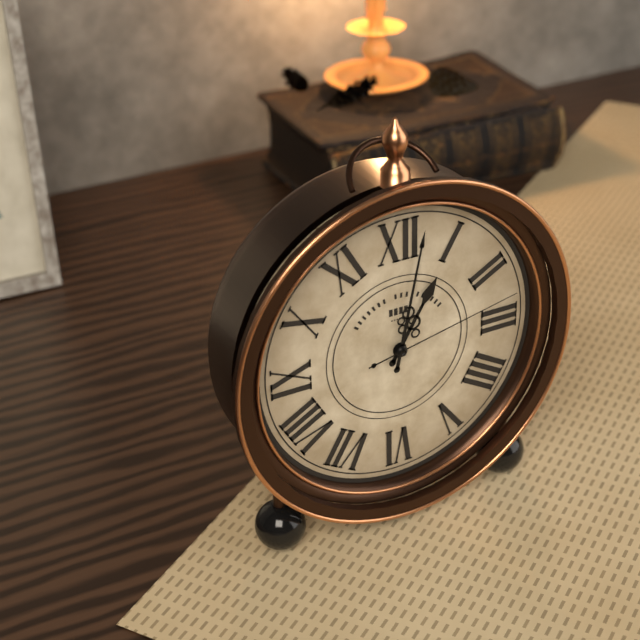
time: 1:02:13
